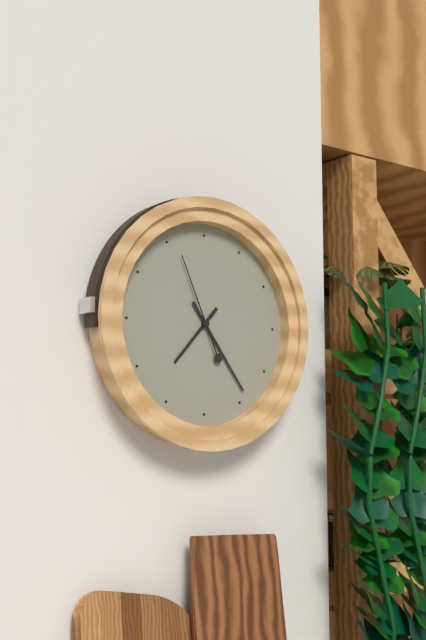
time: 7:24:56
